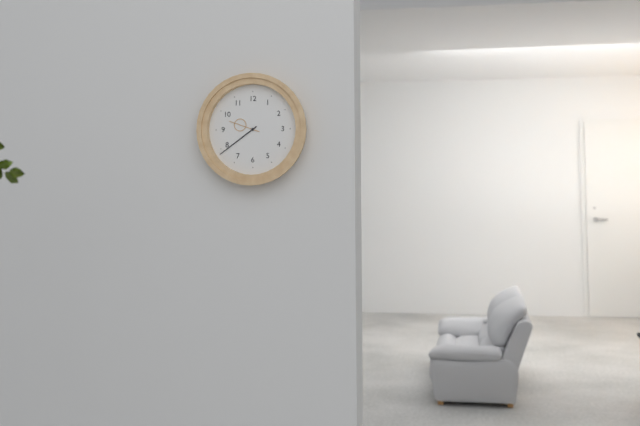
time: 9:39
